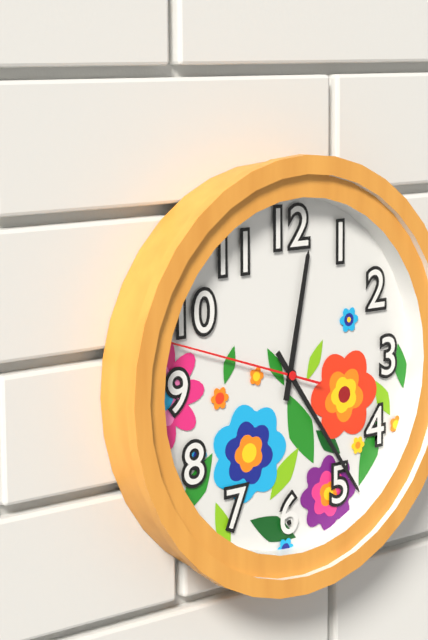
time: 12:24:48
